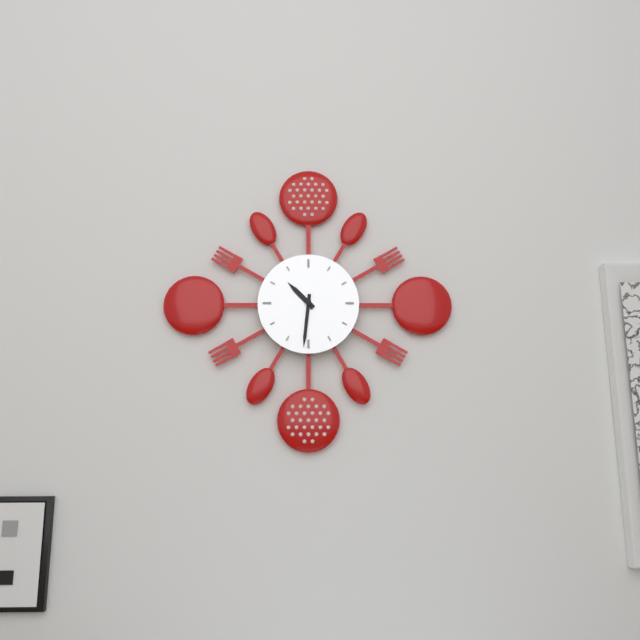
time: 10:31
